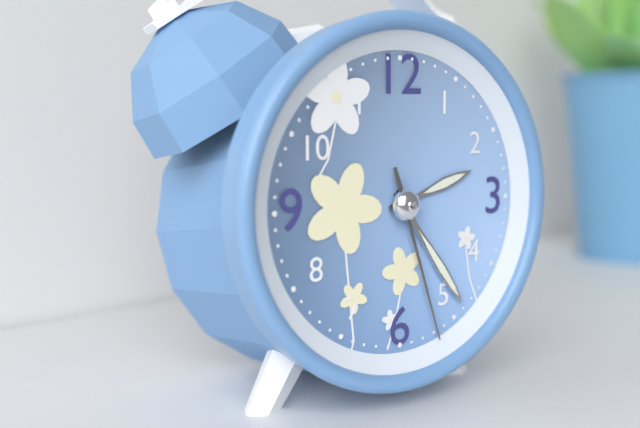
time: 2:24:27
